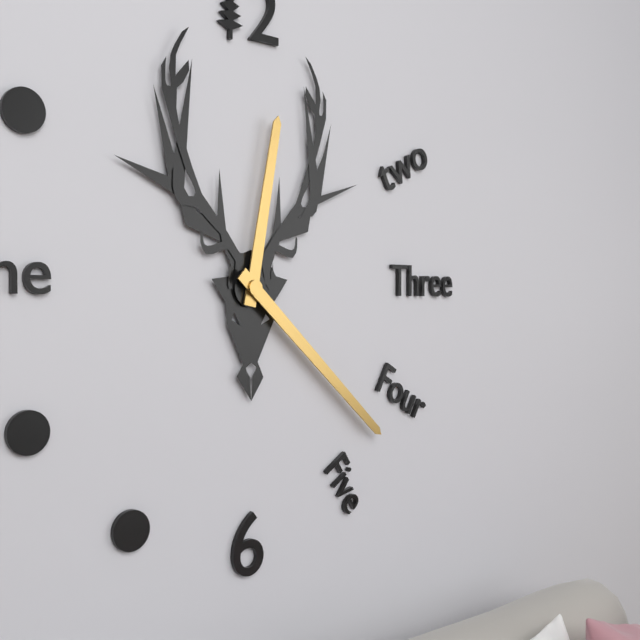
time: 12:22
